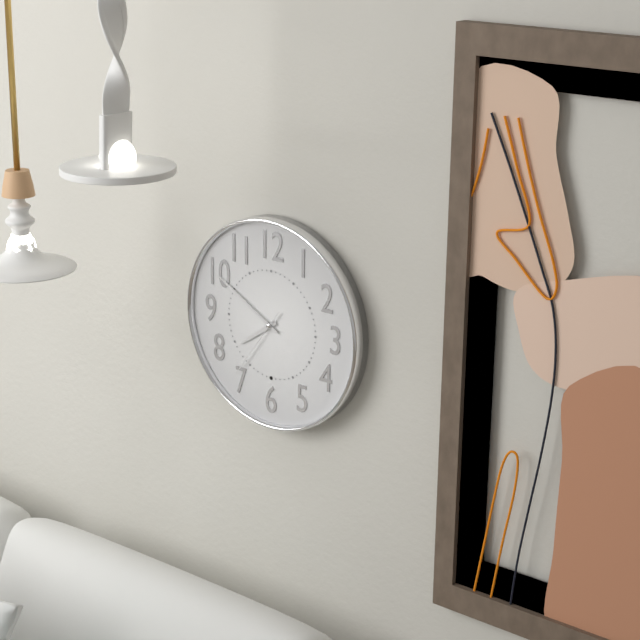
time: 7:50:36
